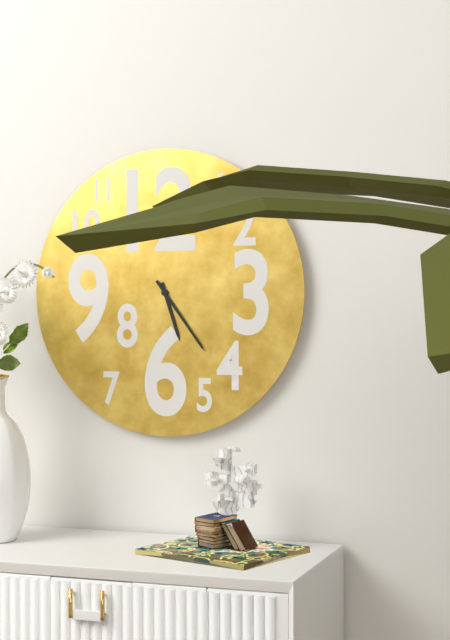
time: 5:24
